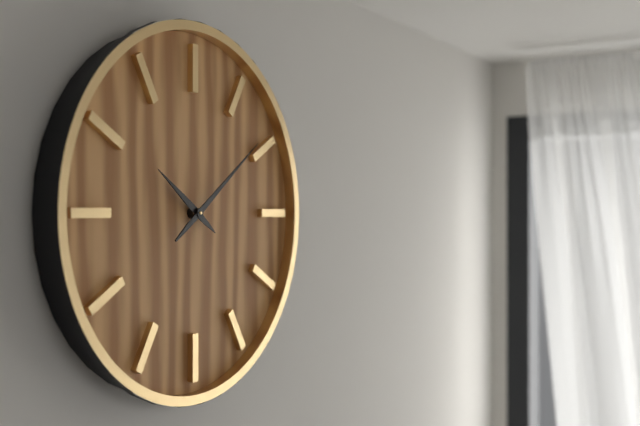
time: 10:09
